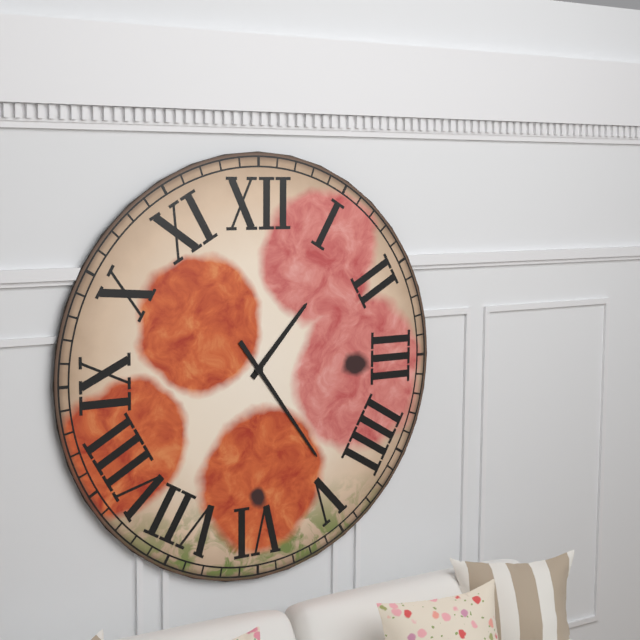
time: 1:24
